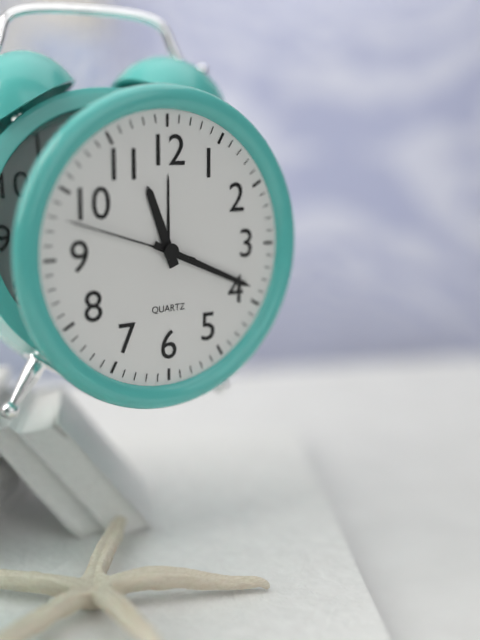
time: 11:19:48
